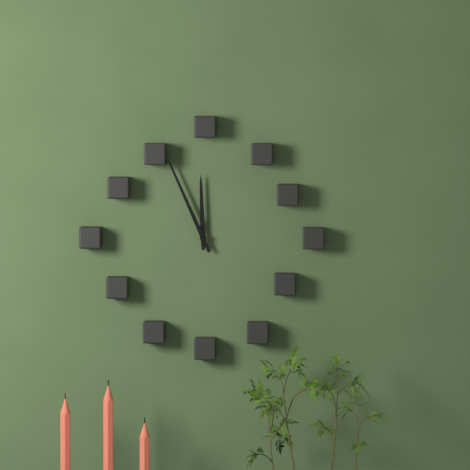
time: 11:56
